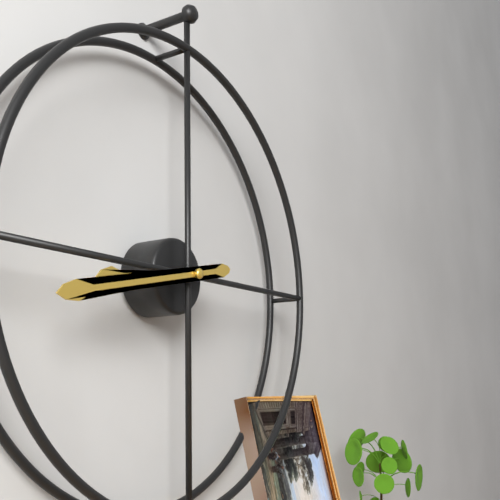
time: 8:43
